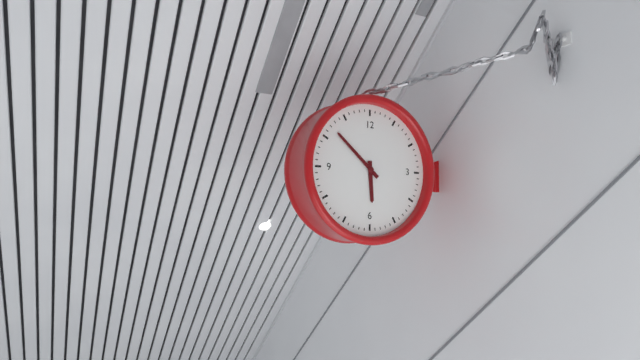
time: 5:52
